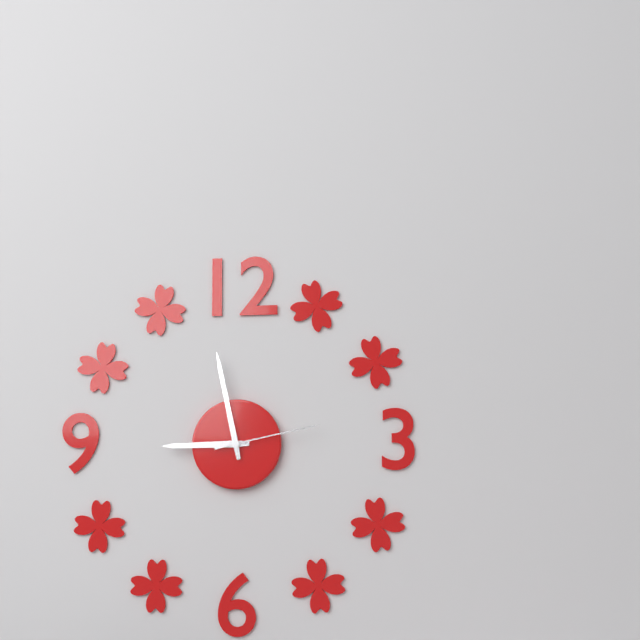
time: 8:58:13
